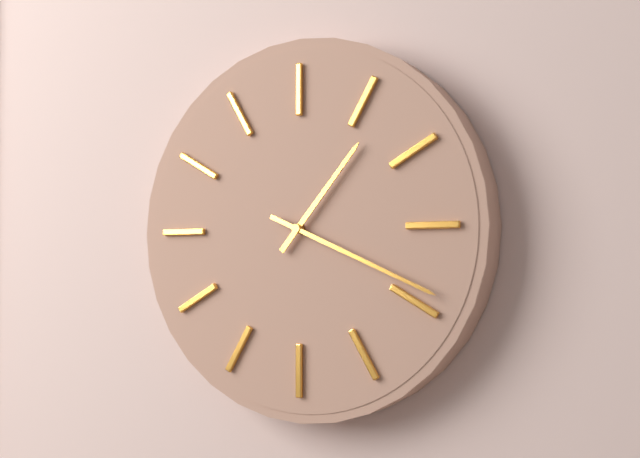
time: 1:19
